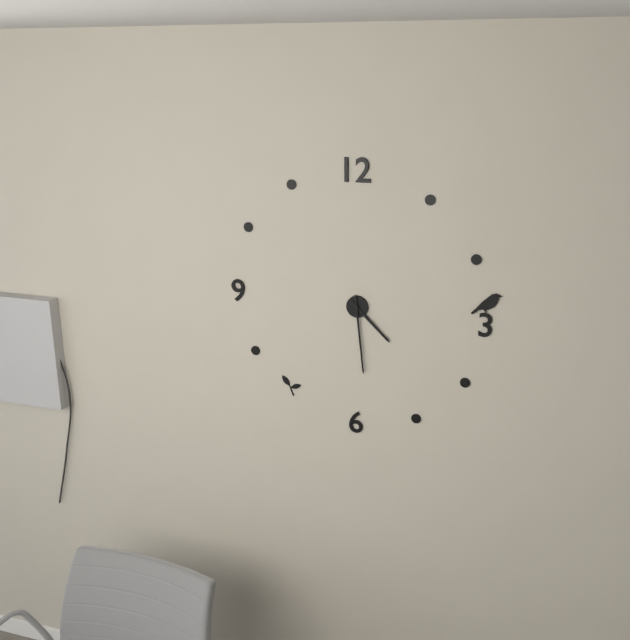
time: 4:29
